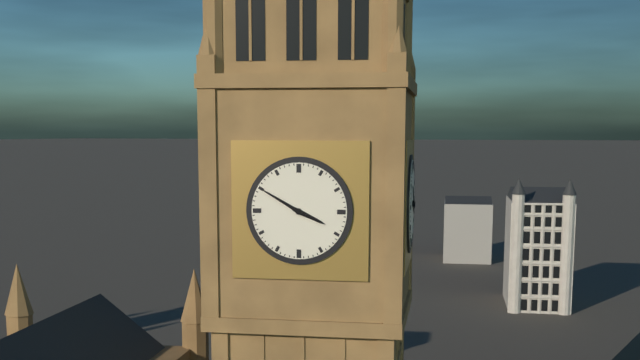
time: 3:50
